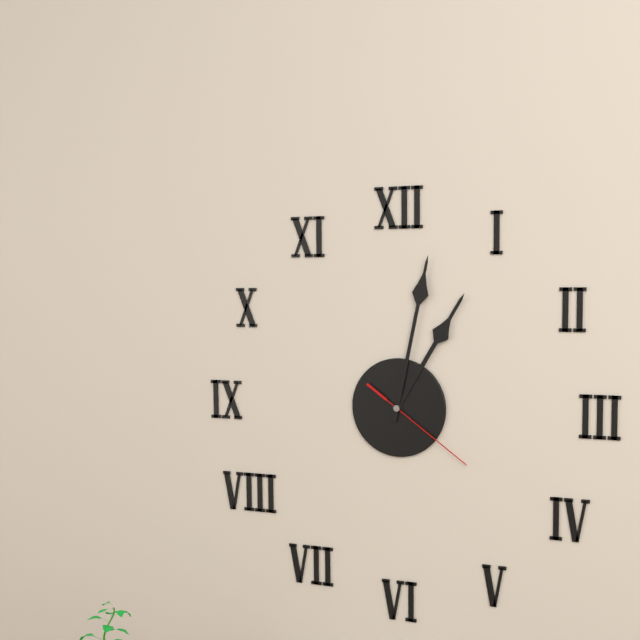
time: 1:02:21
